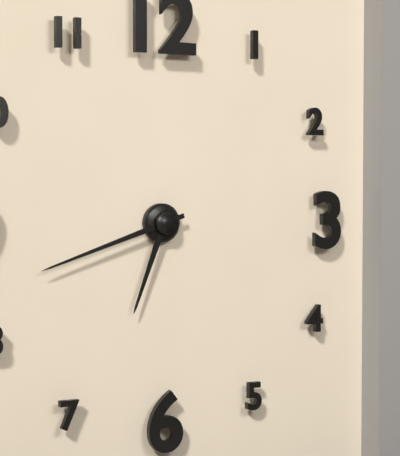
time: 6:42
